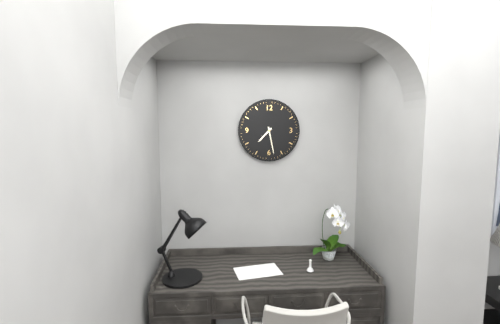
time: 7:28
